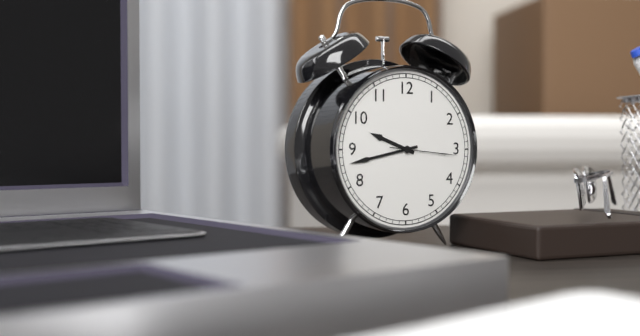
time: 9:43:16
